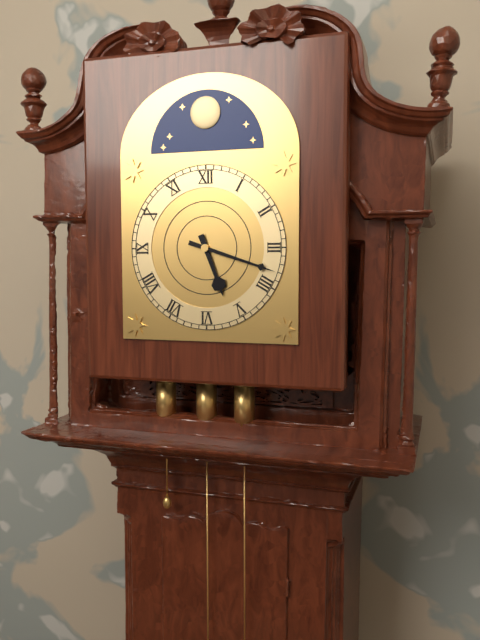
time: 5:18
